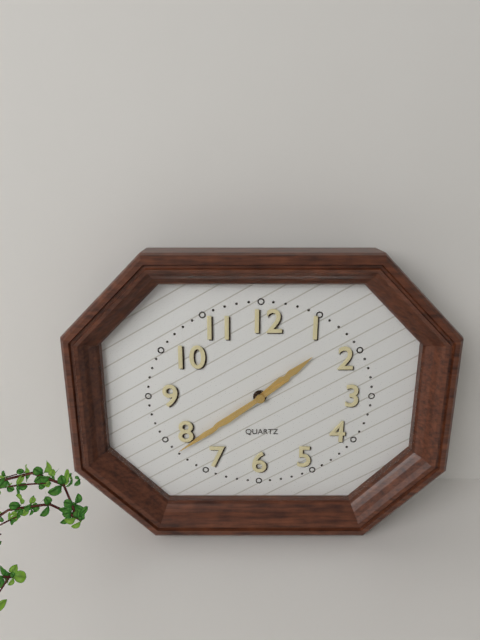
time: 1:39
